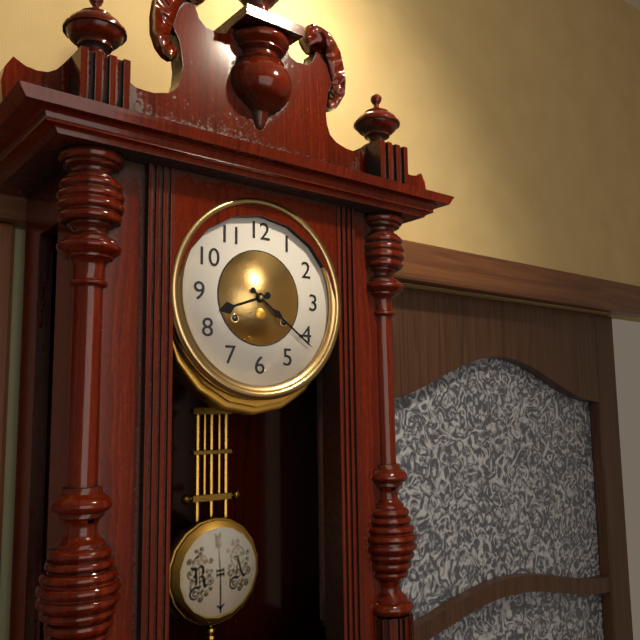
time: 8:21
